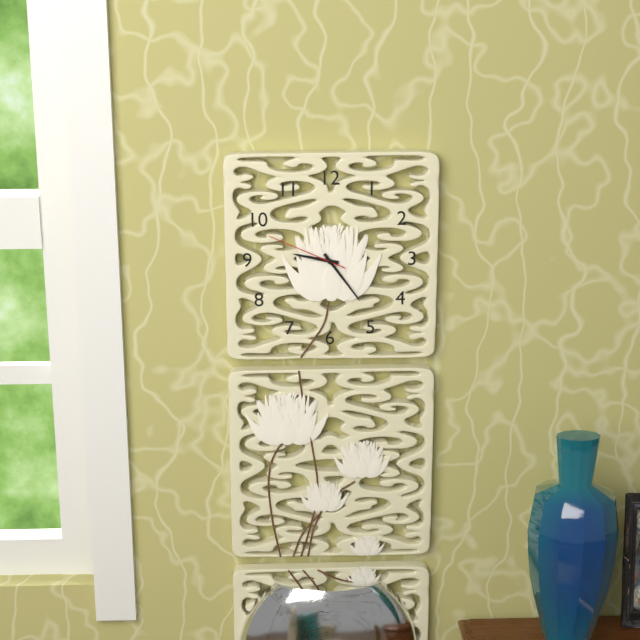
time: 9:24:49
